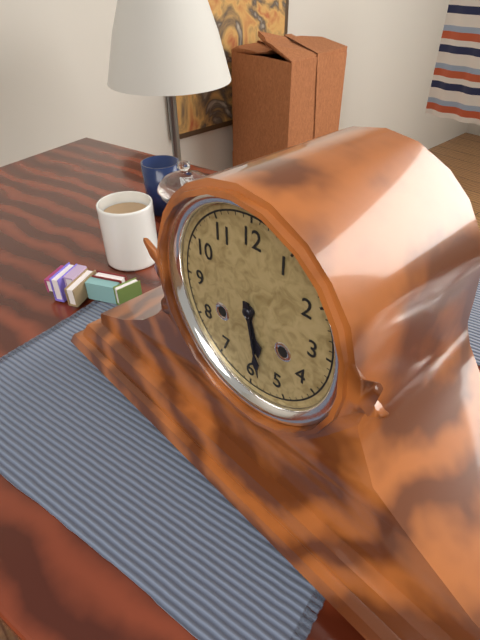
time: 5:28
